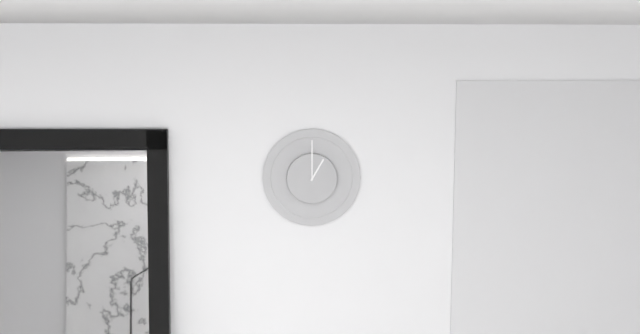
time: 1:00
